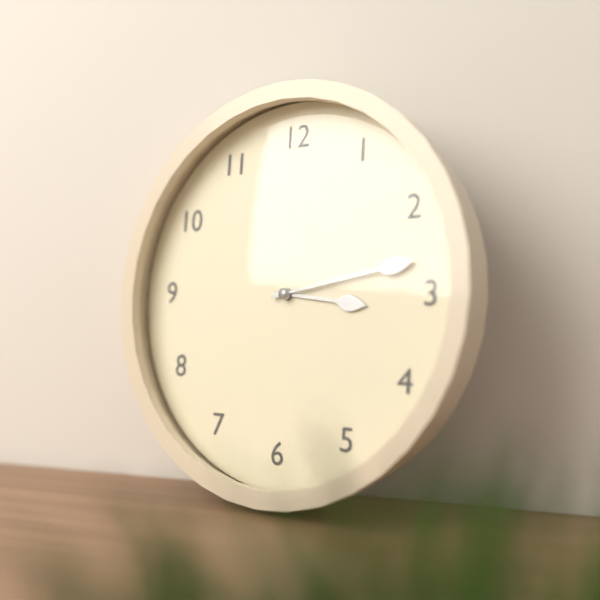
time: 3:13
